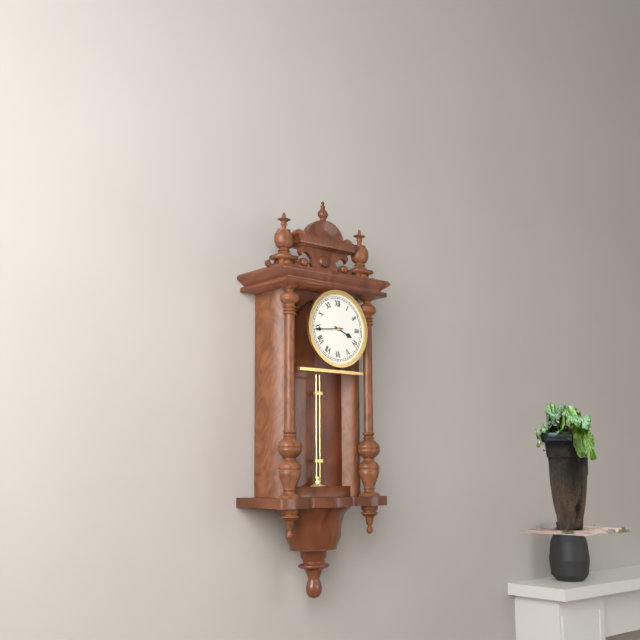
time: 3:44
